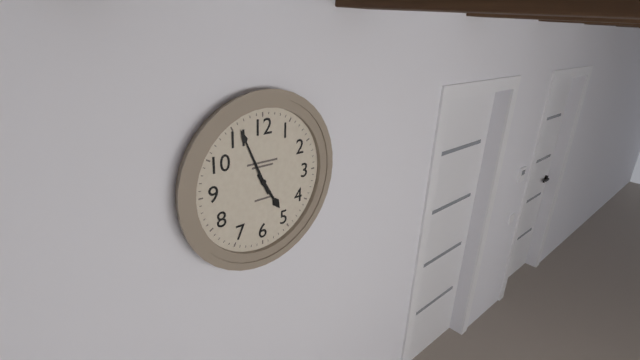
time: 4:56
